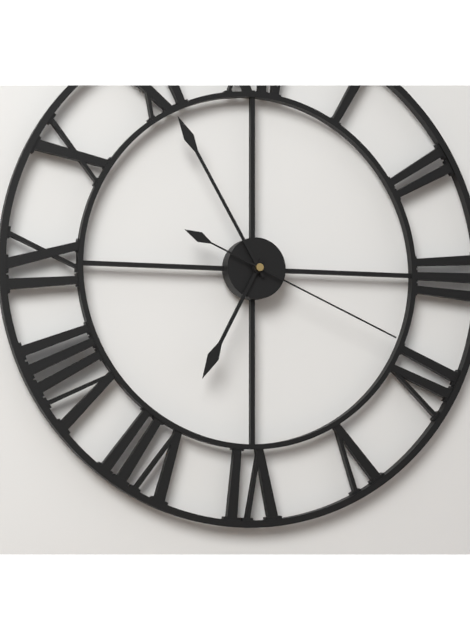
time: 6:55:19
